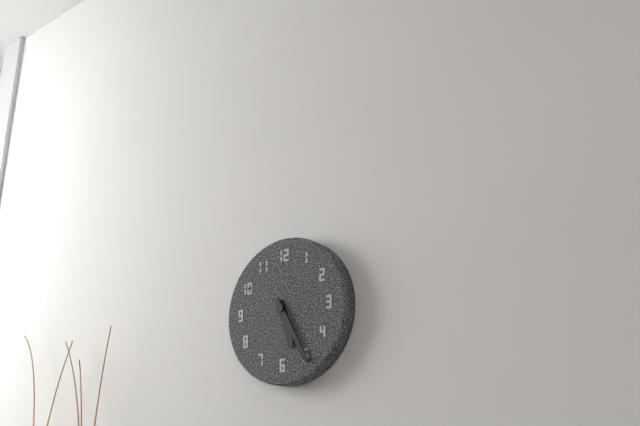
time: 5:25
